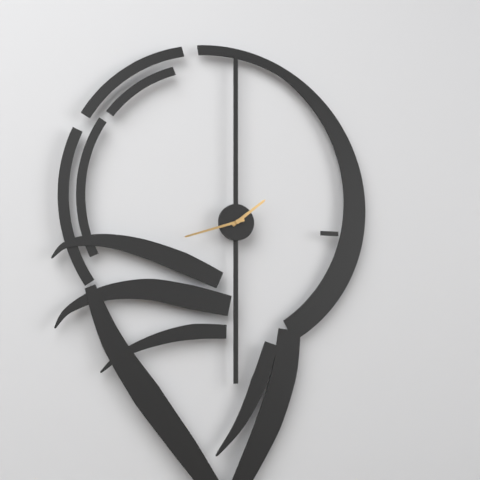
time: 1:42
